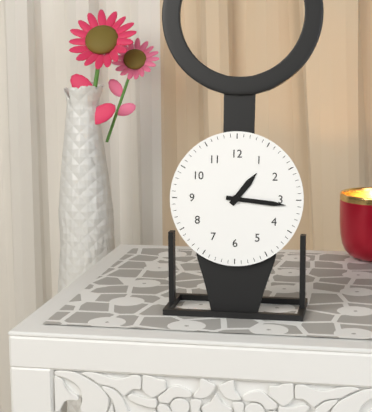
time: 1:16
